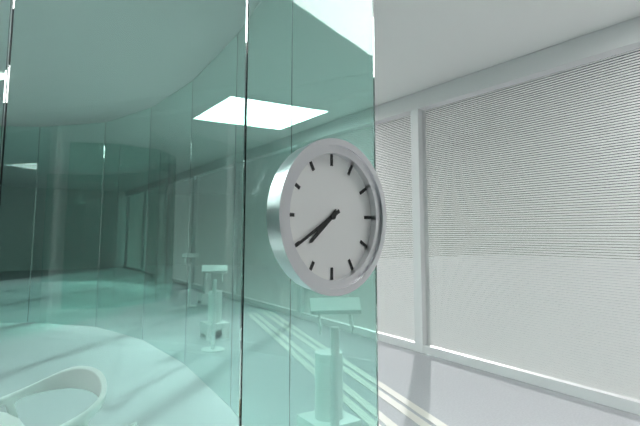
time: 7:40
